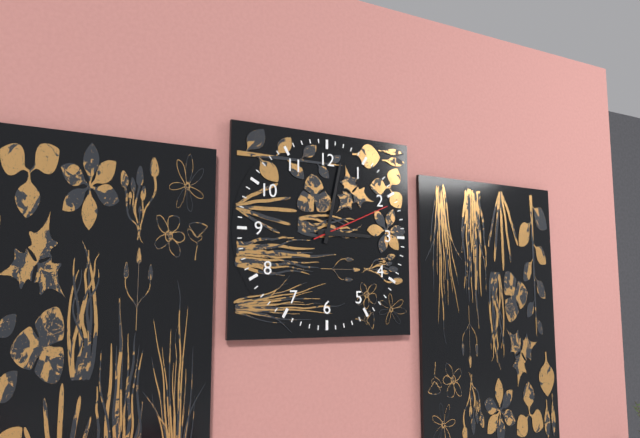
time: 3:02:11
